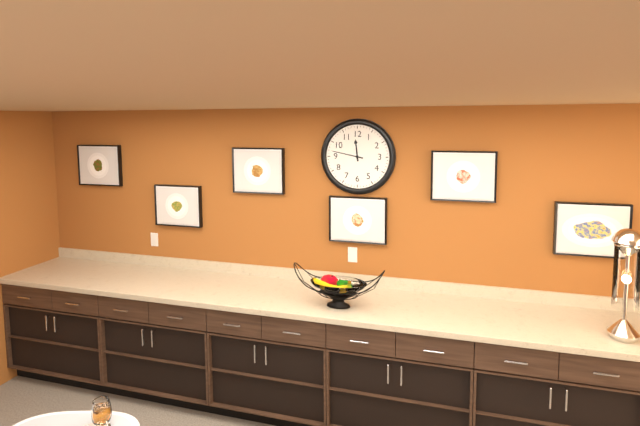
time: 11:47
